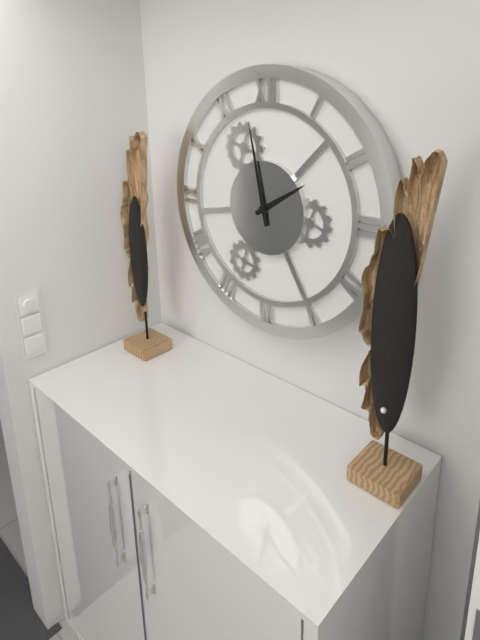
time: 1:58
